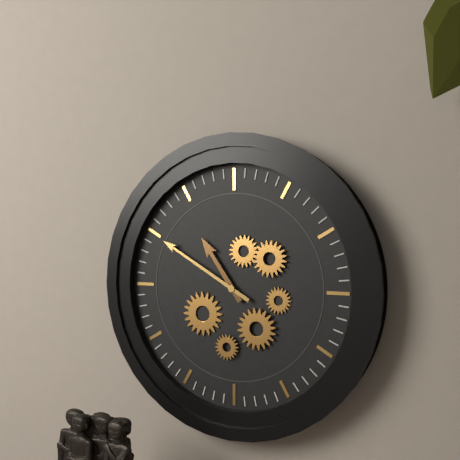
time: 10:50
